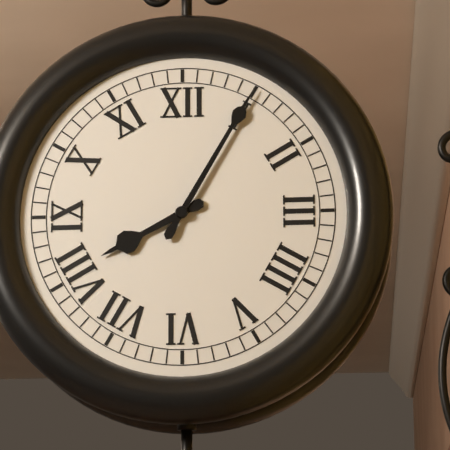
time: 8:05
